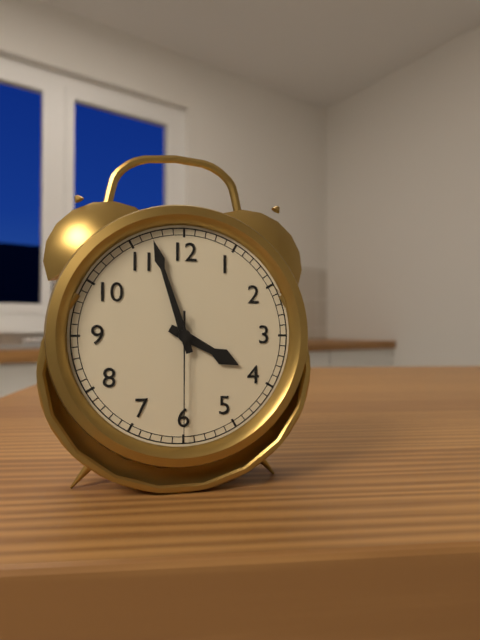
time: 3:57:30
